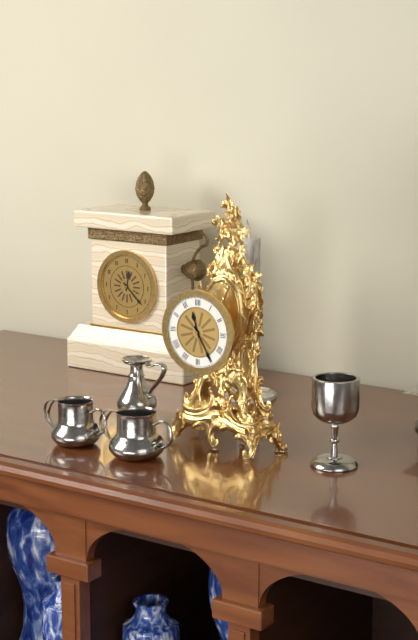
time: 11:25
